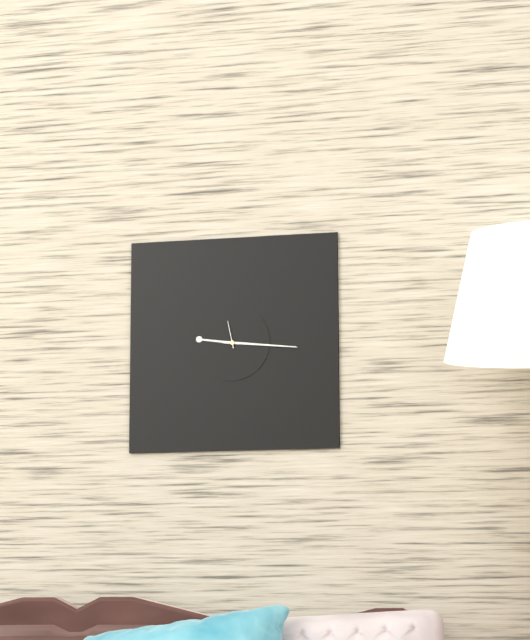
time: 9:16
